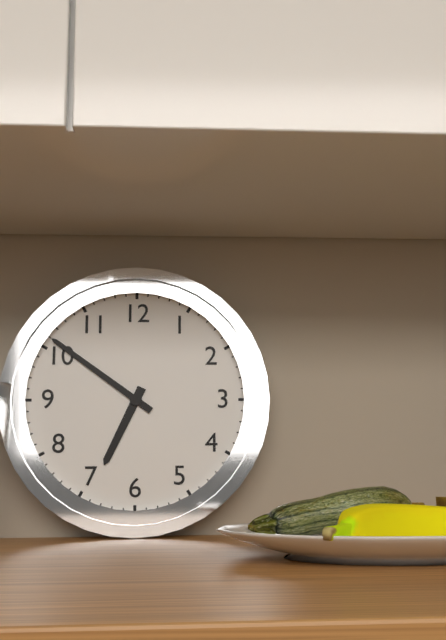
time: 6:51
